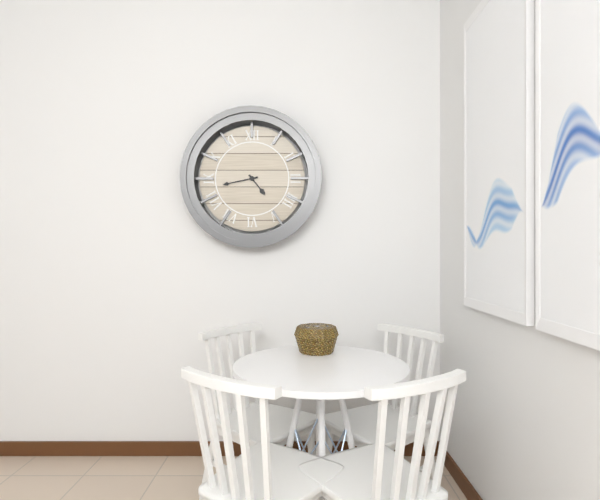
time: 4:43
